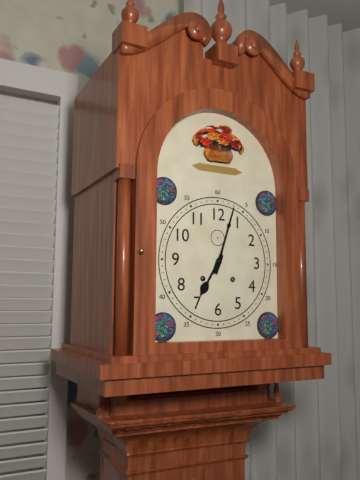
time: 7:03
